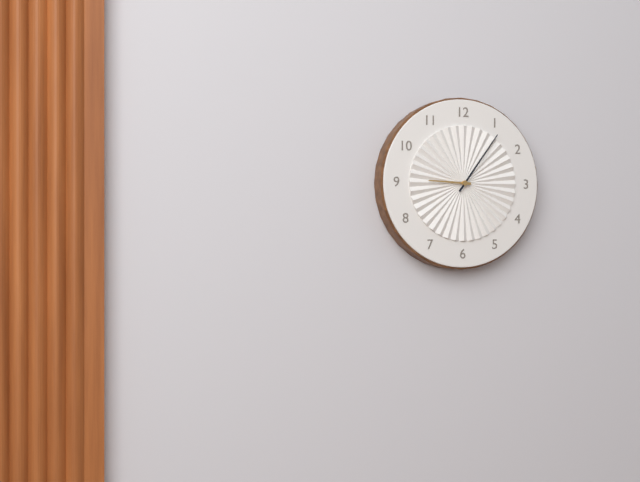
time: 9:06
